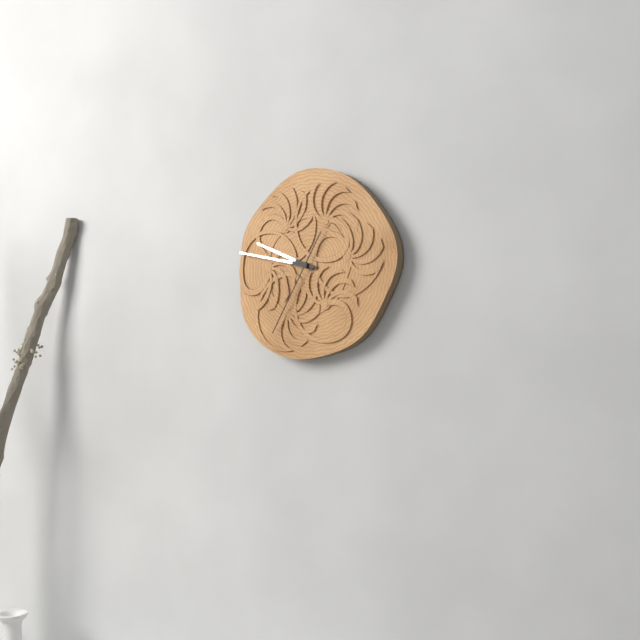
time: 9:47:35
